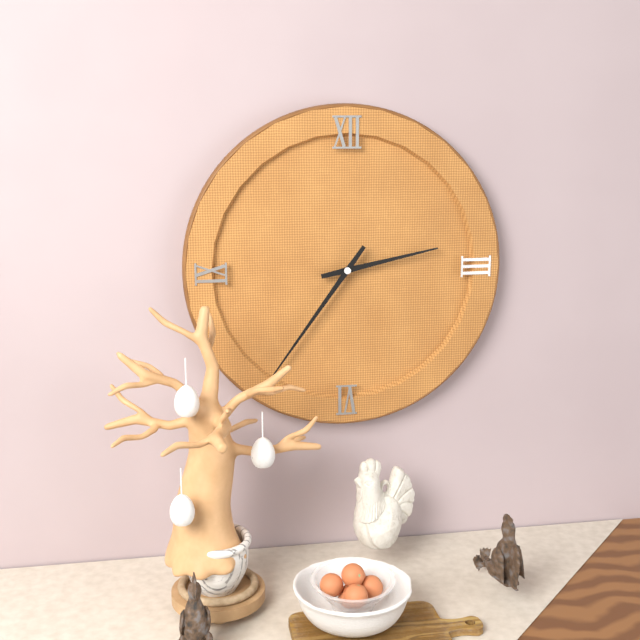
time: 2:36
